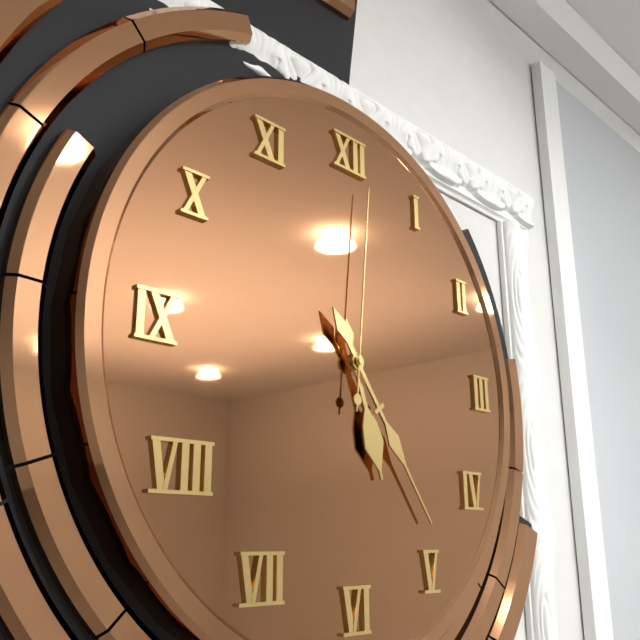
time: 5:24:01
